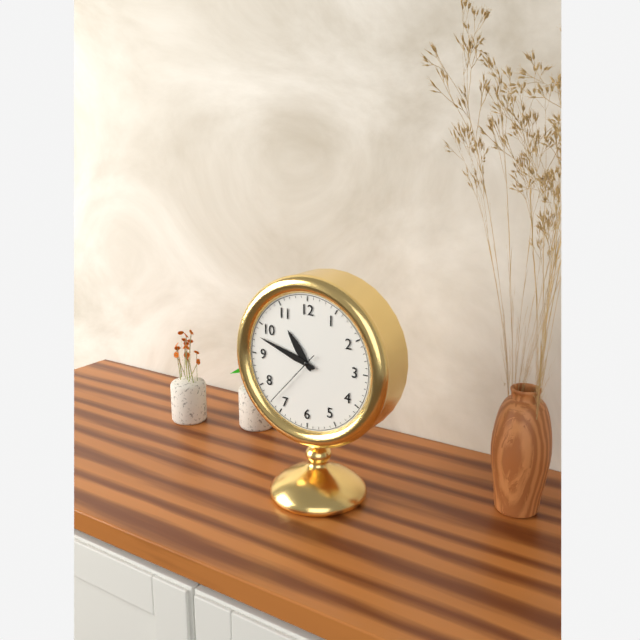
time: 10:48:37
